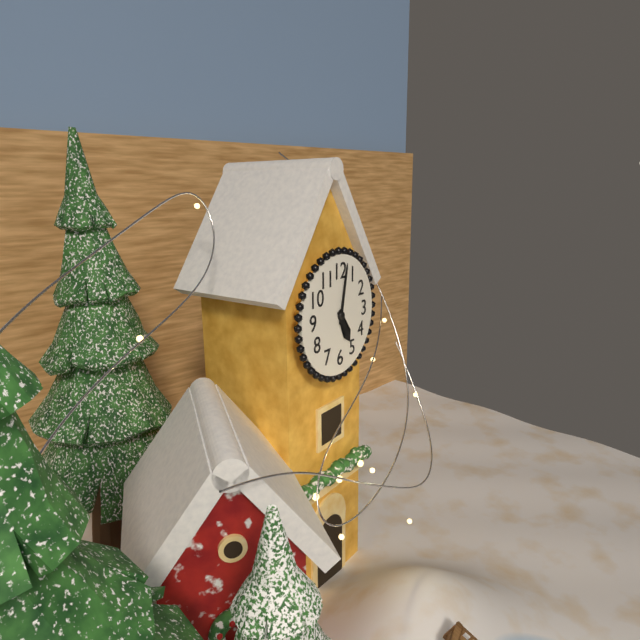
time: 5:02
